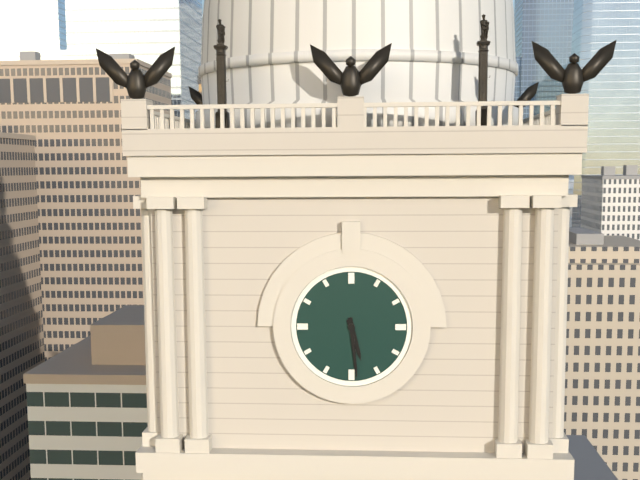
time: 5:29
